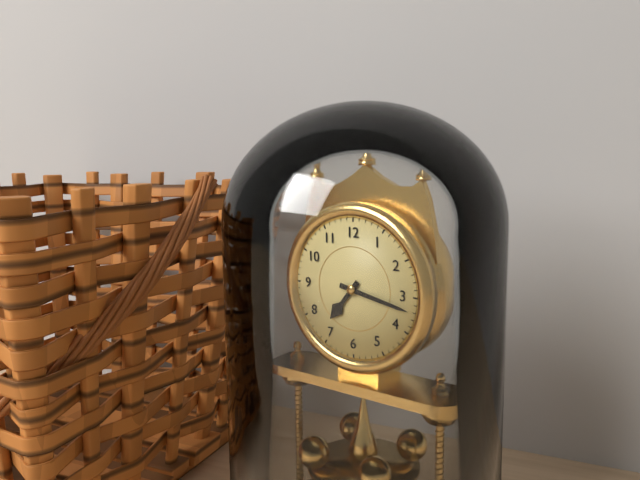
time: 7:17
